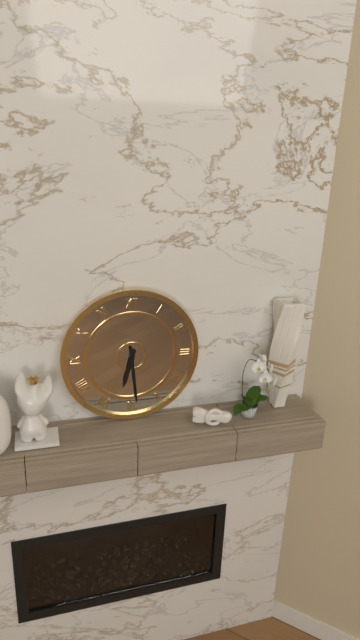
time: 6:29
